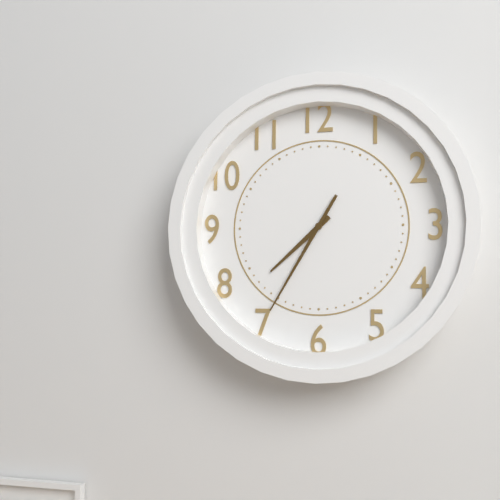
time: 7:35
